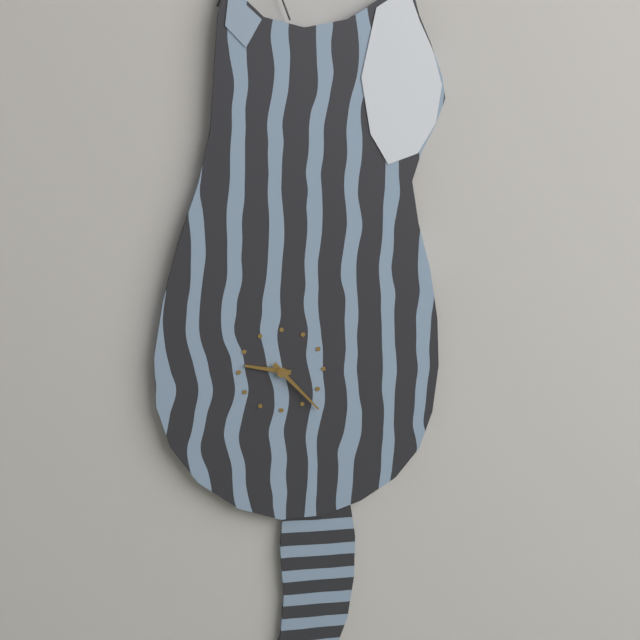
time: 9:23
